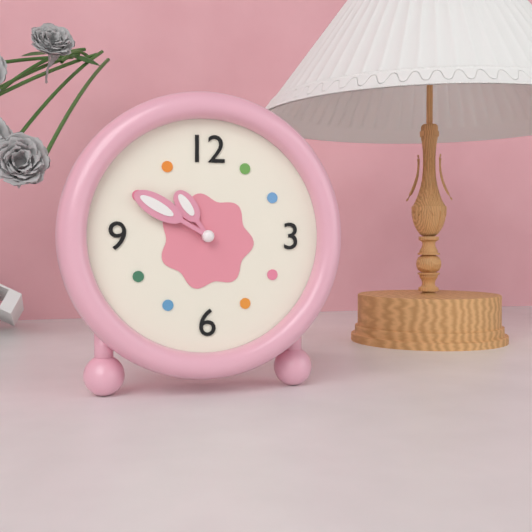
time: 10:50
